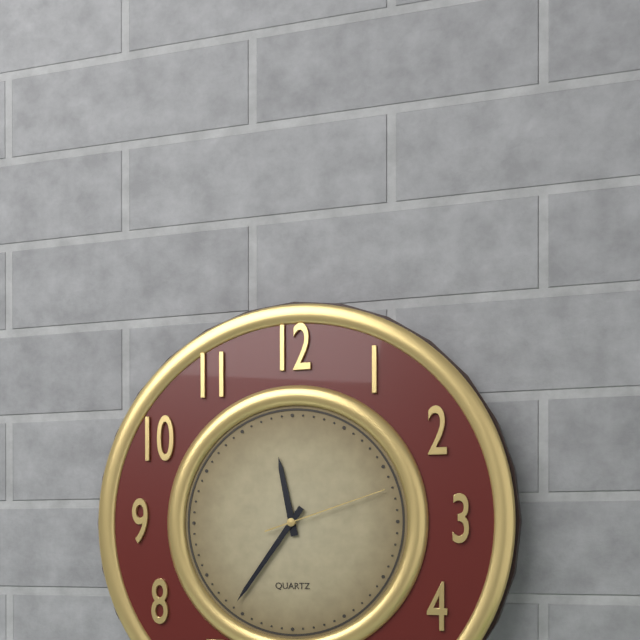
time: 11:36:12
